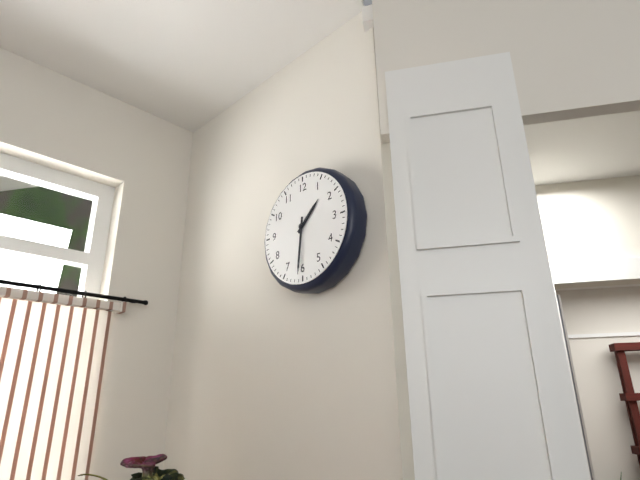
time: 1:31
